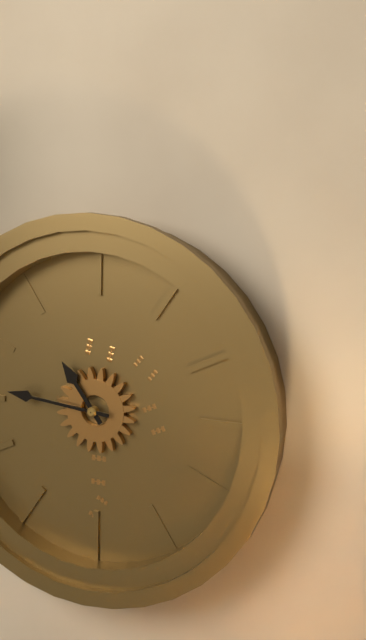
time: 10:46
